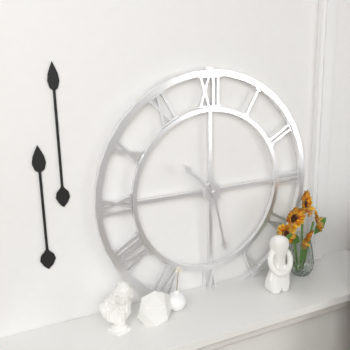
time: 10:28
